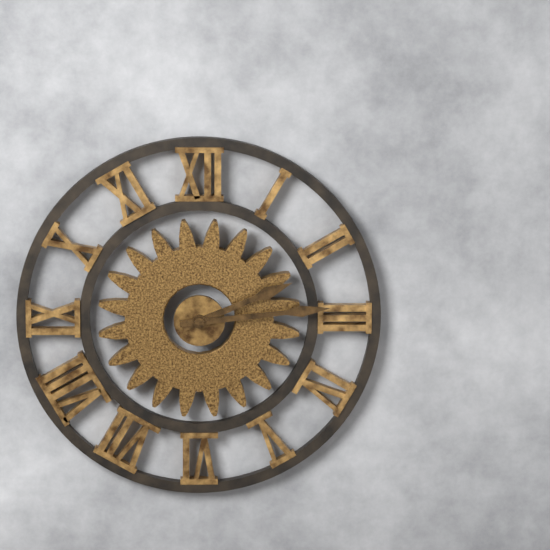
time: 2:14
